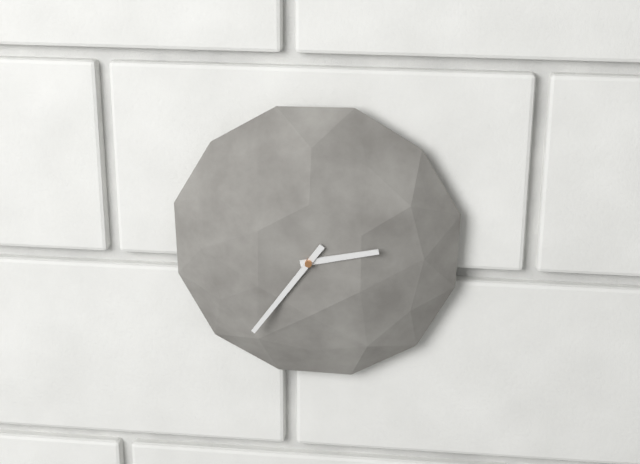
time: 2:36
